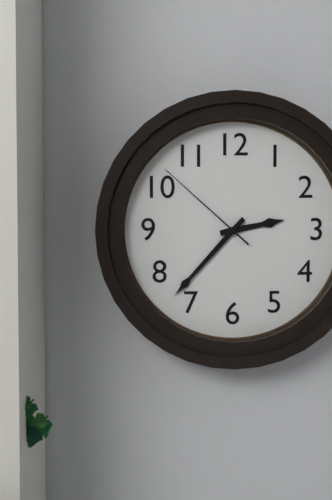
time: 2:37:52
